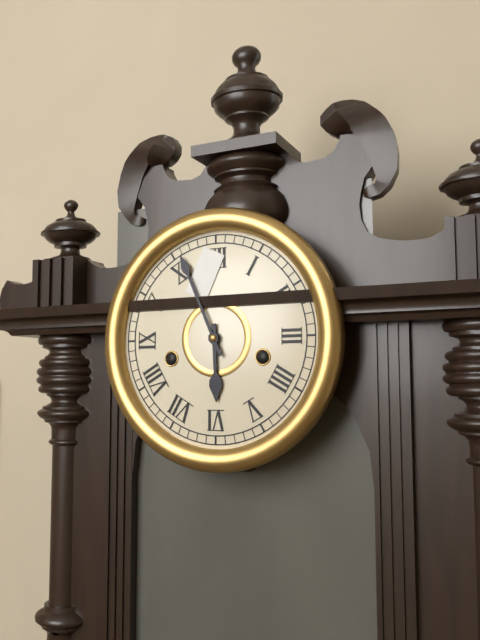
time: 5:56
